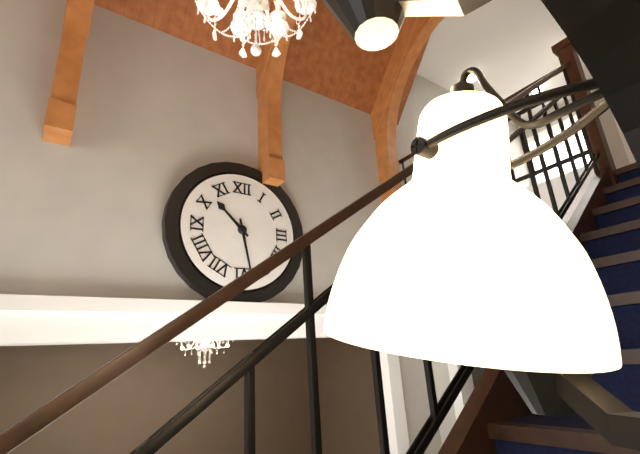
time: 10:28
